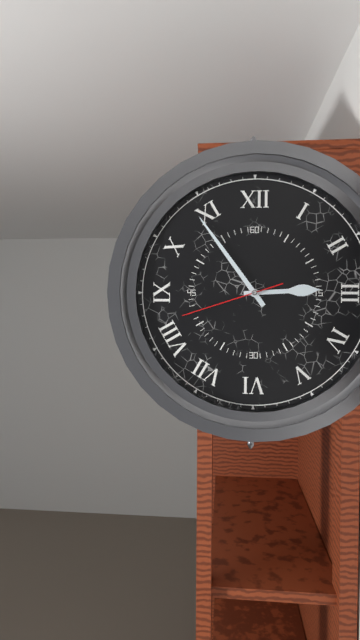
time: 2:54:42
